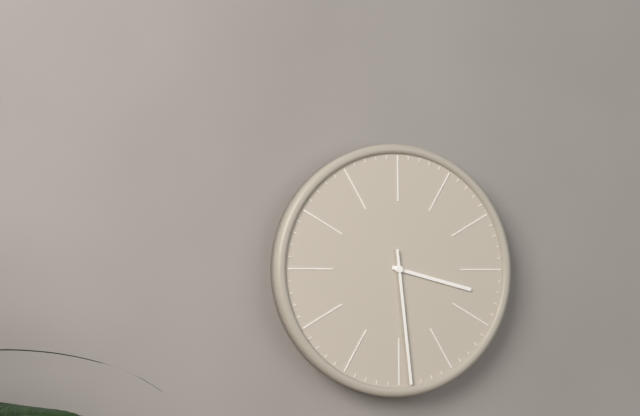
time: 3:29
